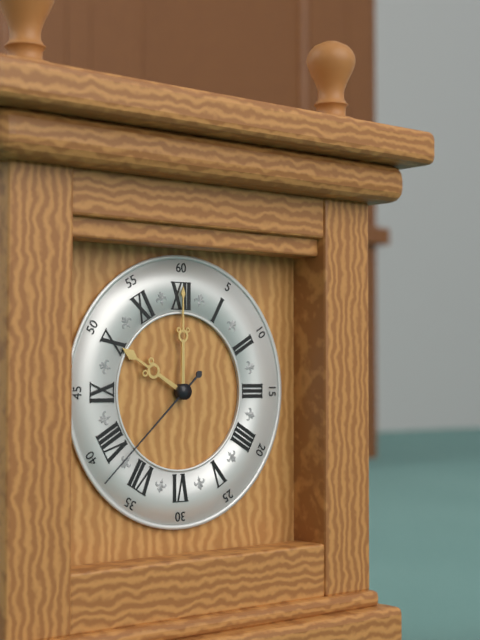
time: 10:00:38
